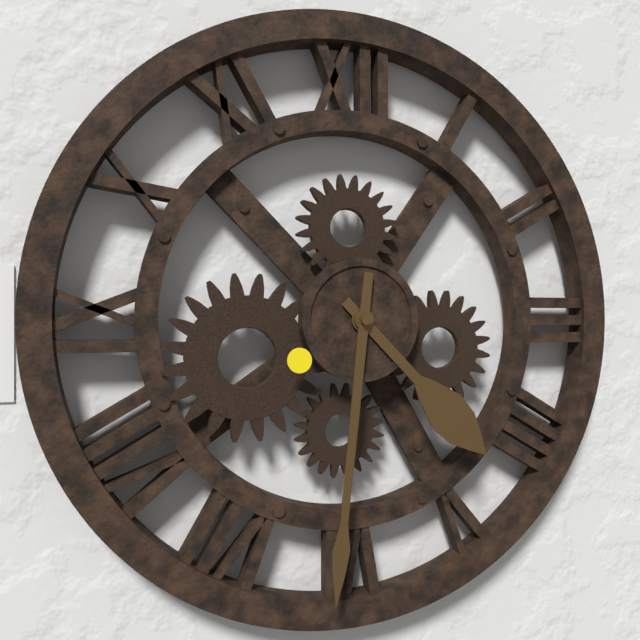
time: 4:31
